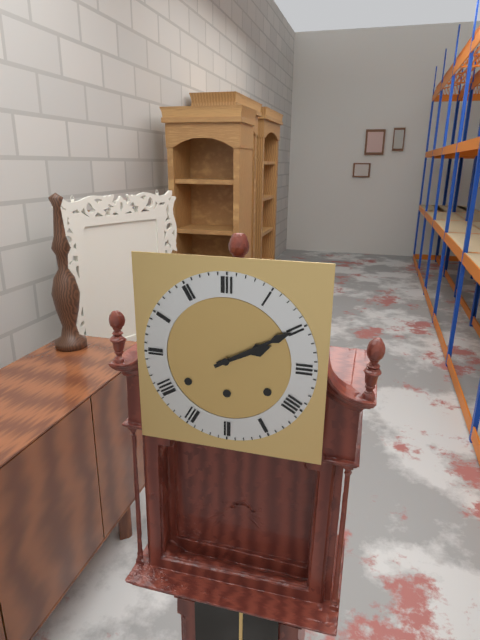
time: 2:10
